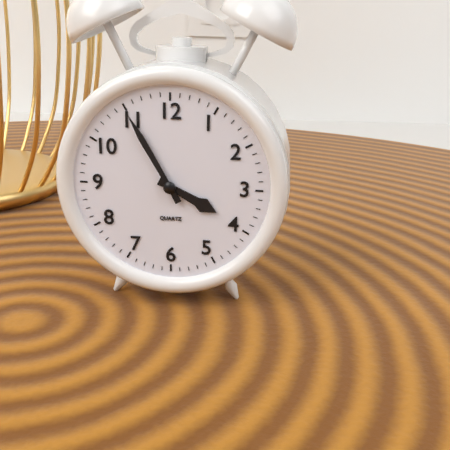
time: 3:55
